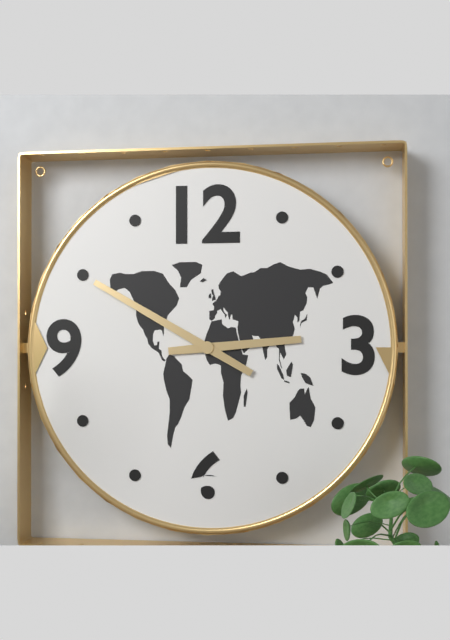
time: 2:50
